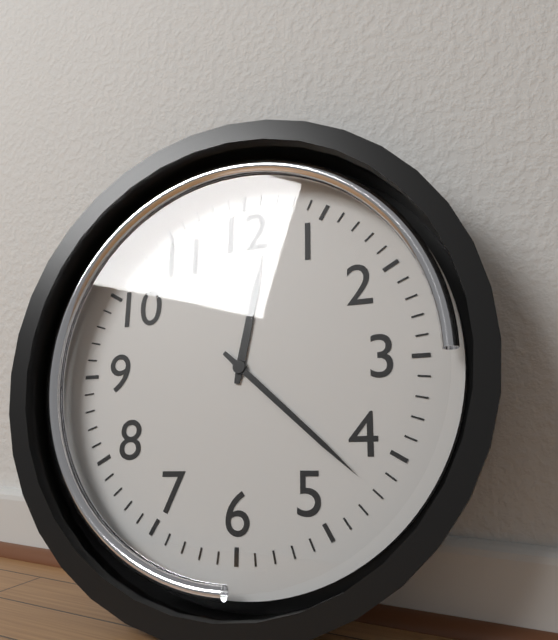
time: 12:22
